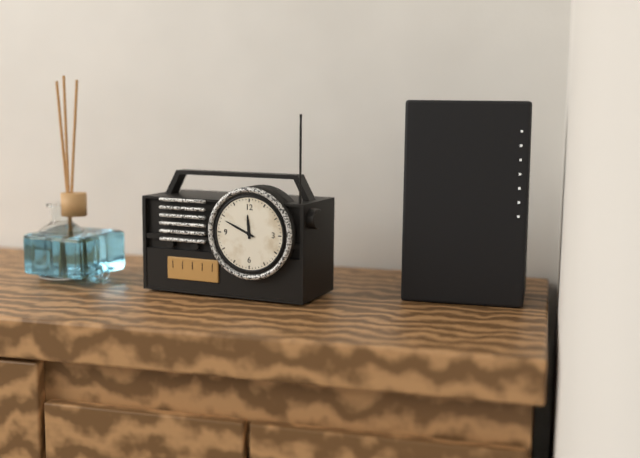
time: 11:49
